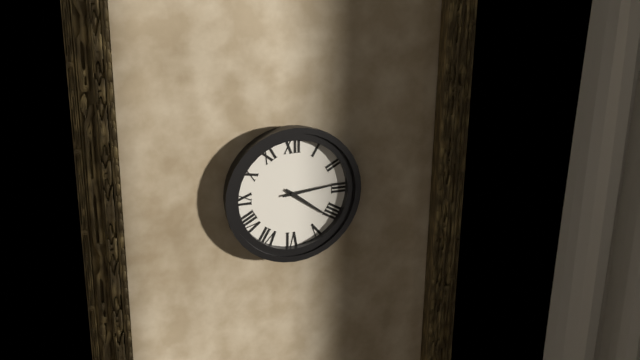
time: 4:14
